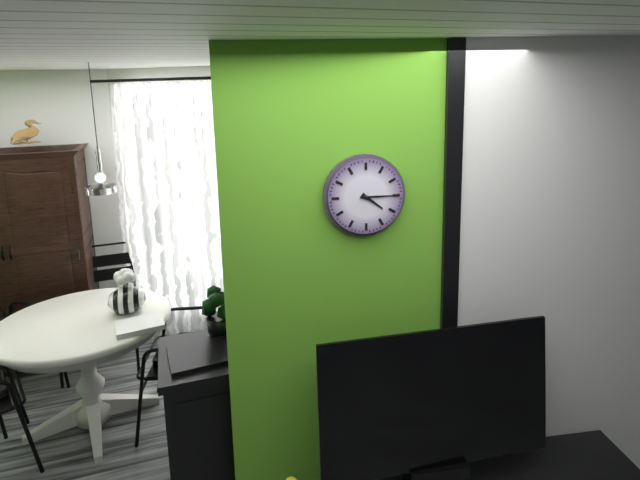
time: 4:15
